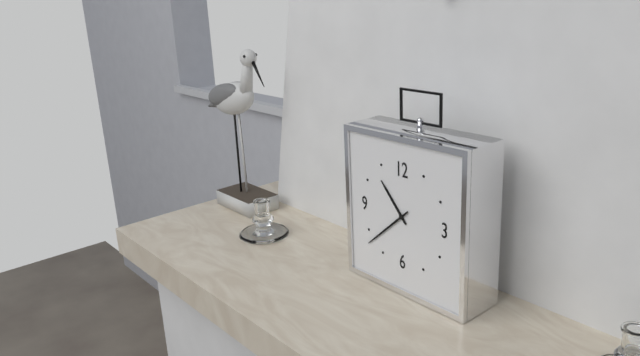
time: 10:38
